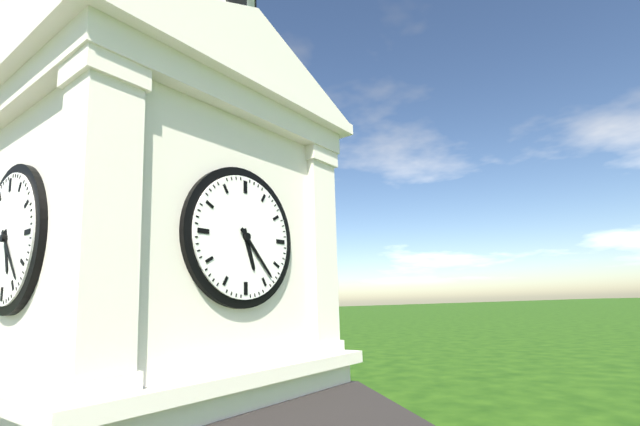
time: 5:23
